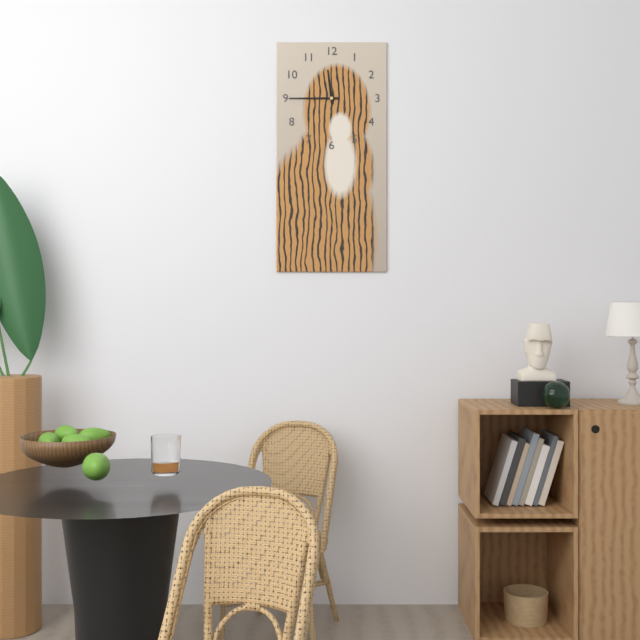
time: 11:45
